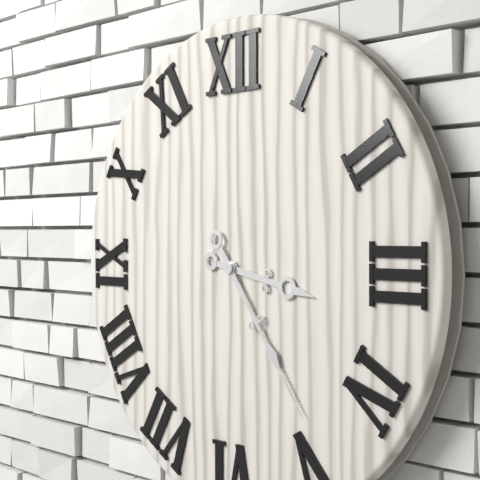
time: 3:24
